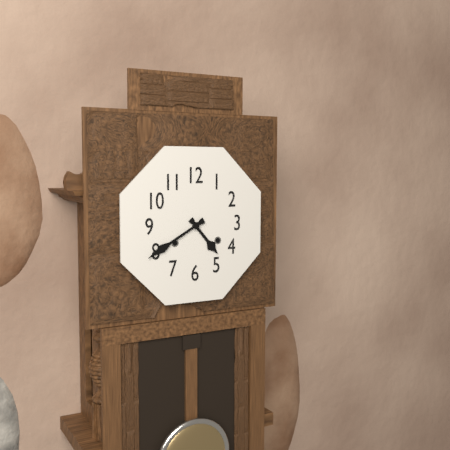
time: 4:40
